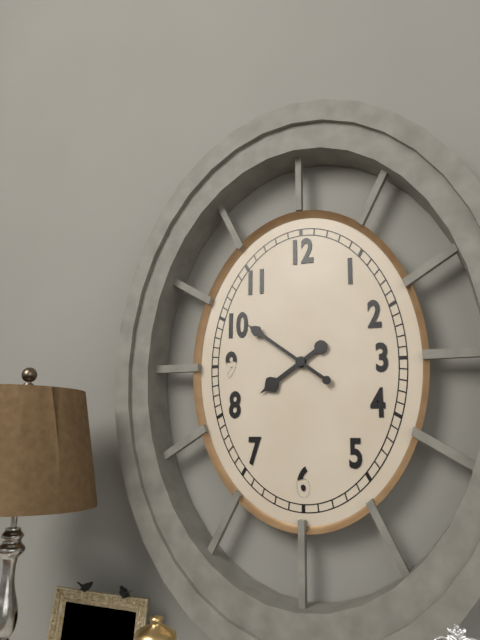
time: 7:51
